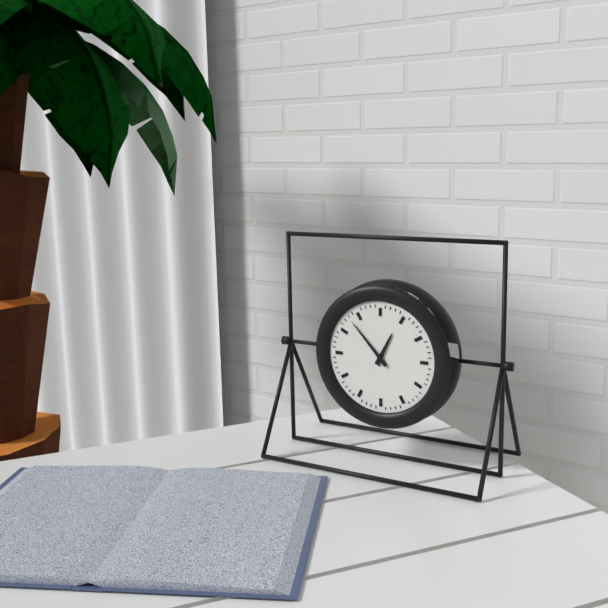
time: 12:53
